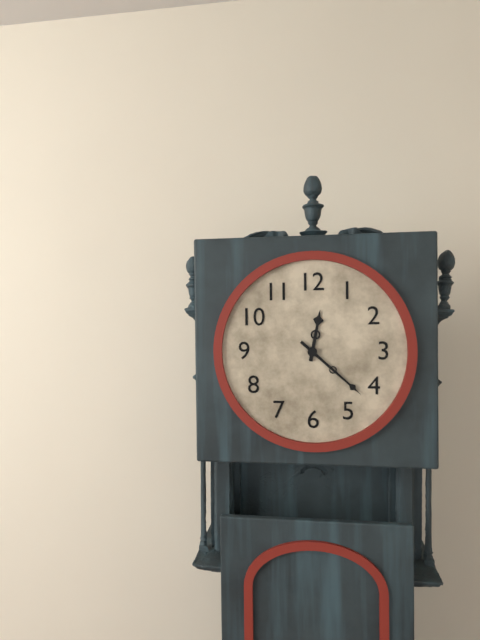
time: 12:22
